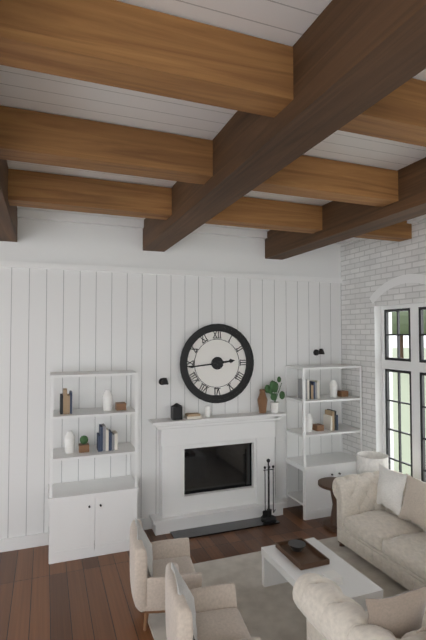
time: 2:44
